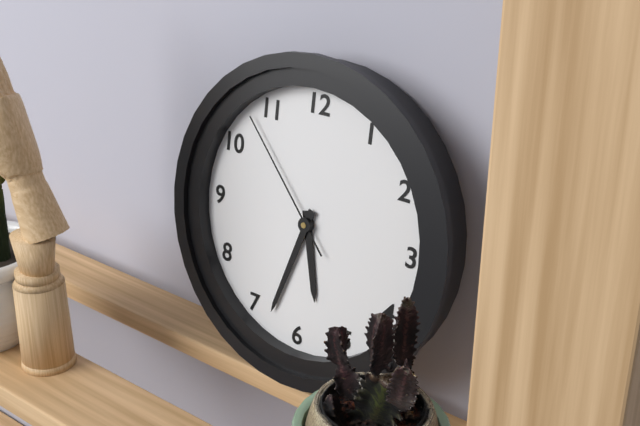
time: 5:33:53
